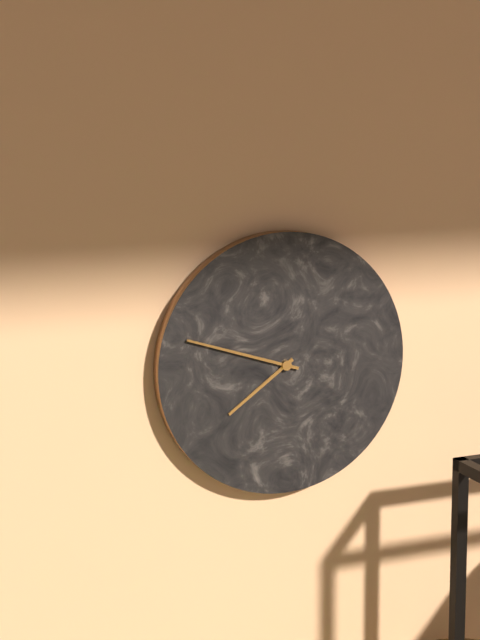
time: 7:48
